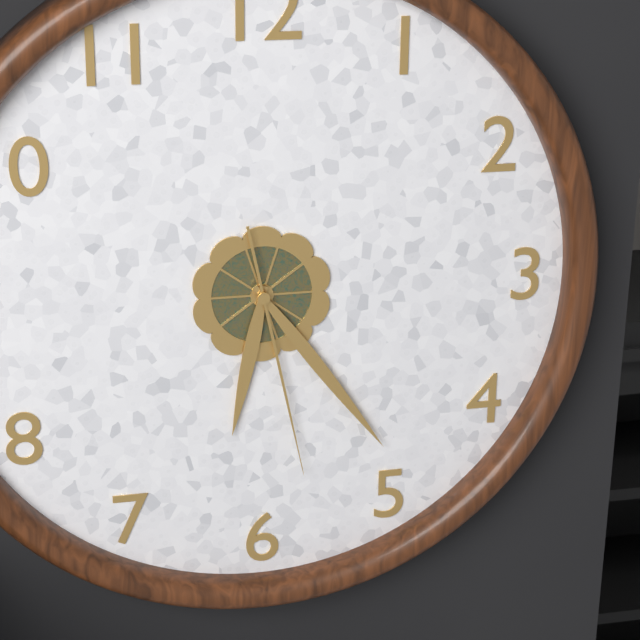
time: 6:24:28
